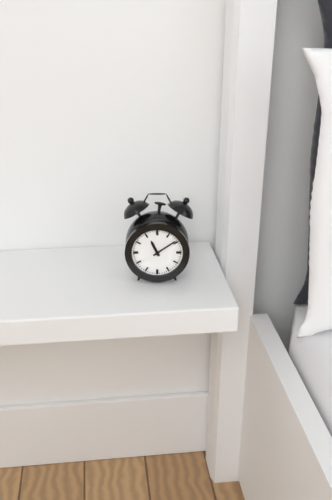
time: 11:09
